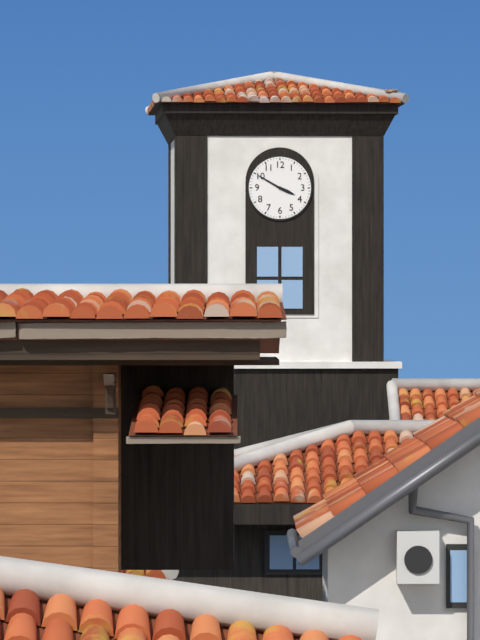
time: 3:50
